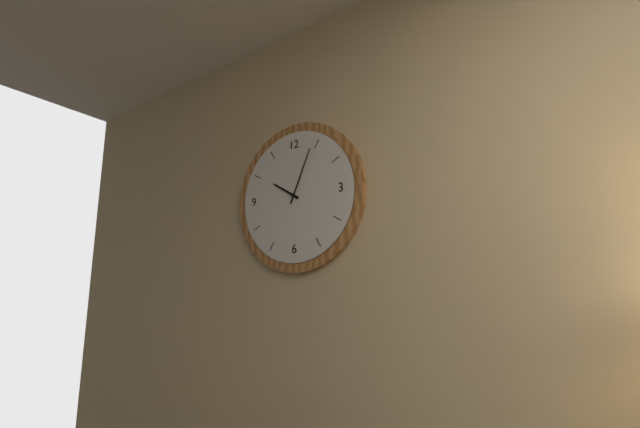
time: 10:04
